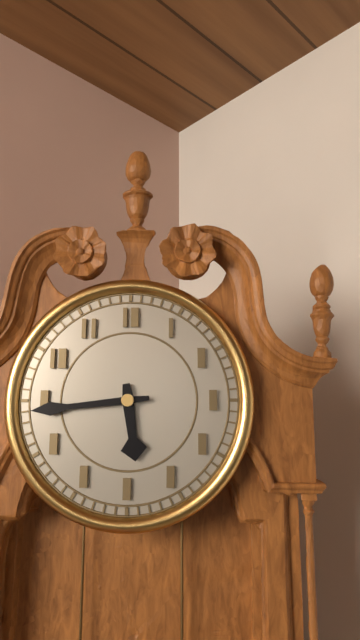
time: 5:44
